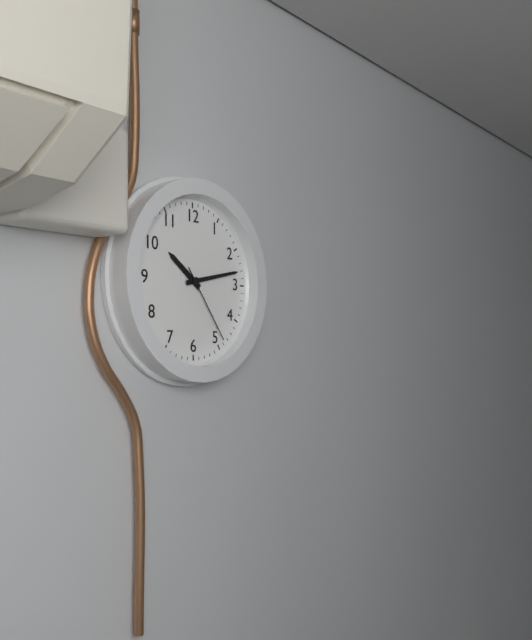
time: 10:13:24
